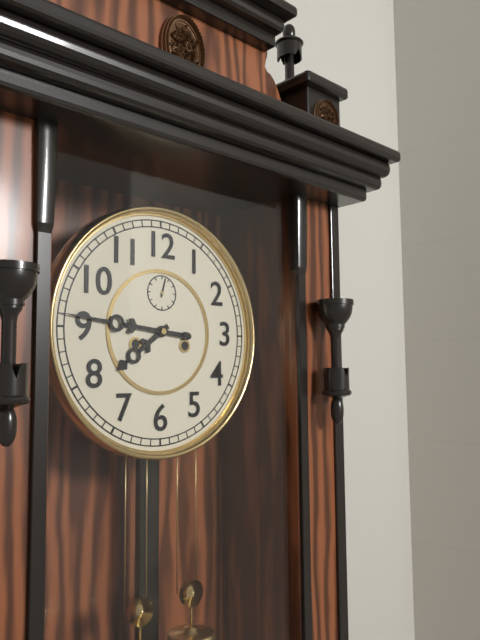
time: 7:46
